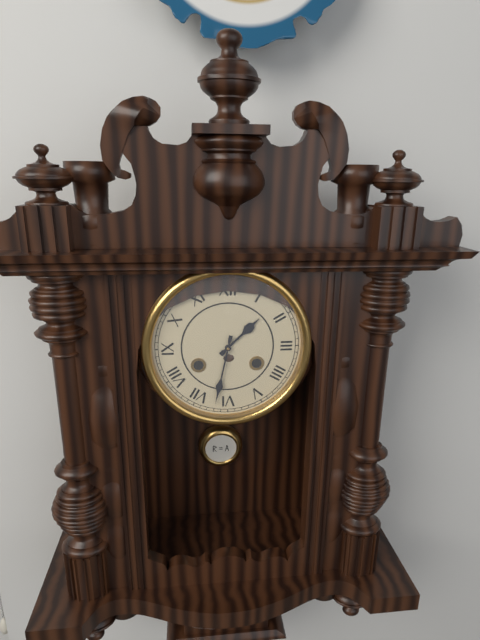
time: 1:32
